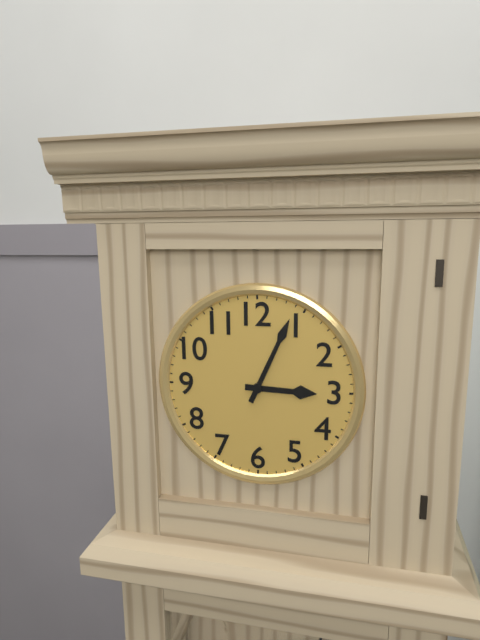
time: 3:04
